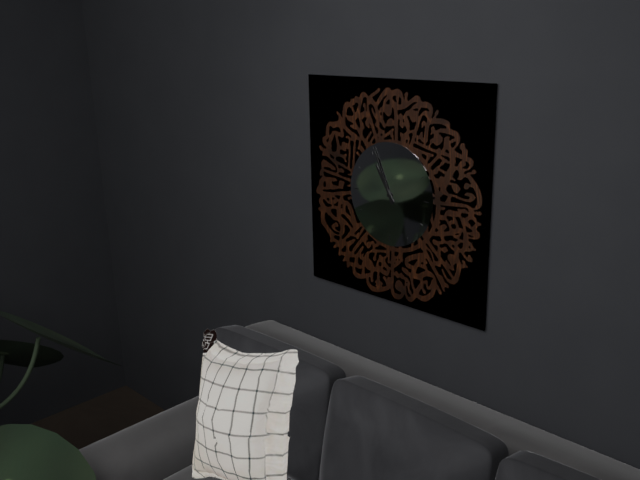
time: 10:56
